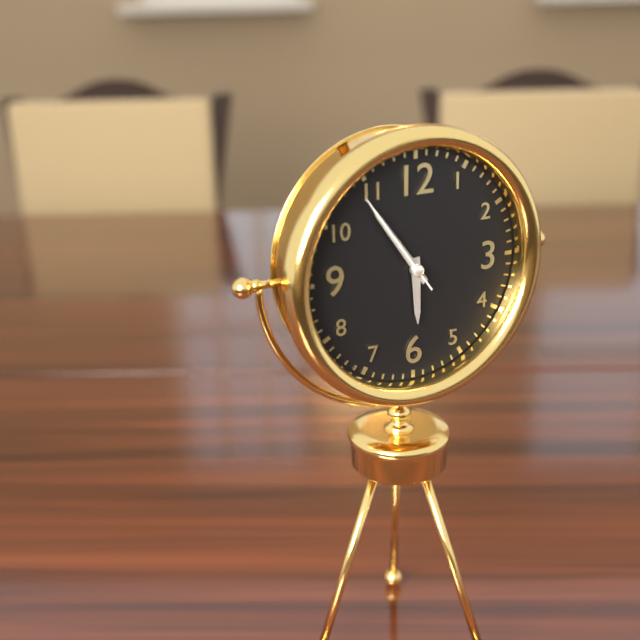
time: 5:54:54
